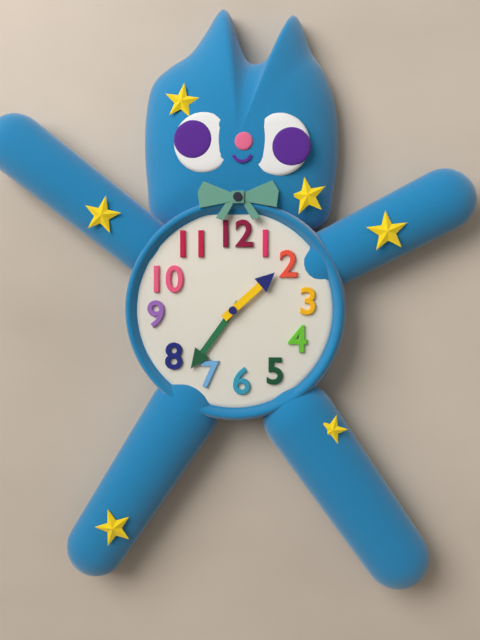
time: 1:36
